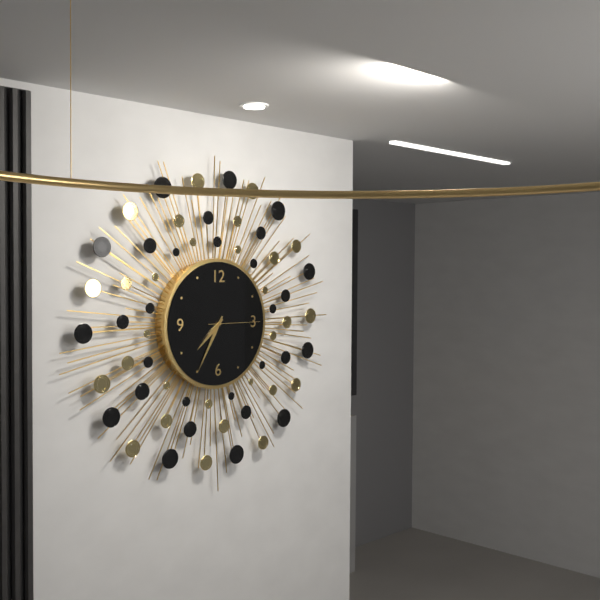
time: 7:35:15
